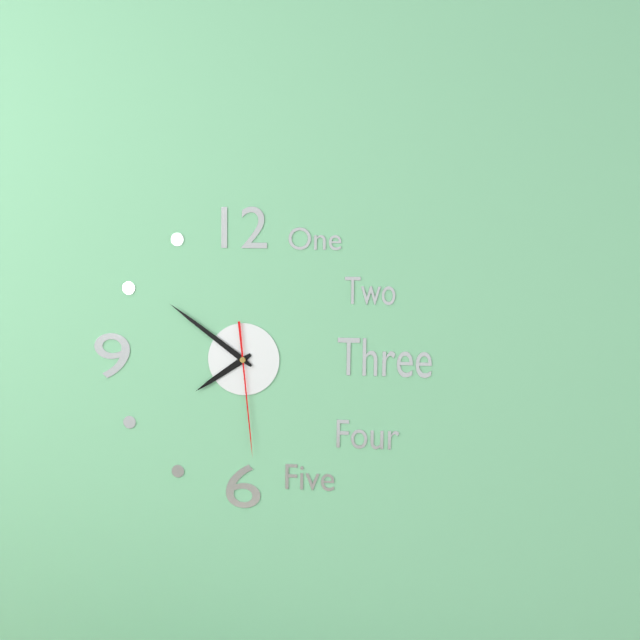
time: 7:51:29
